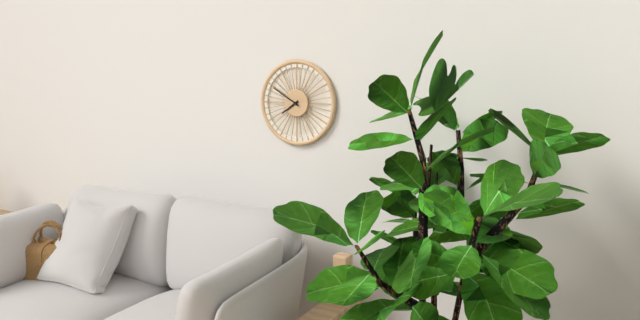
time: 7:50
